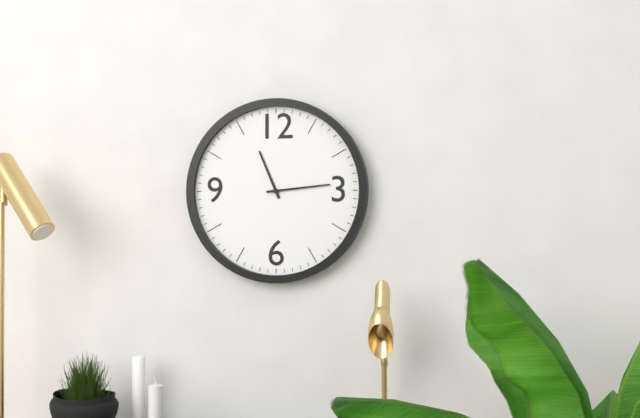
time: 11:14
